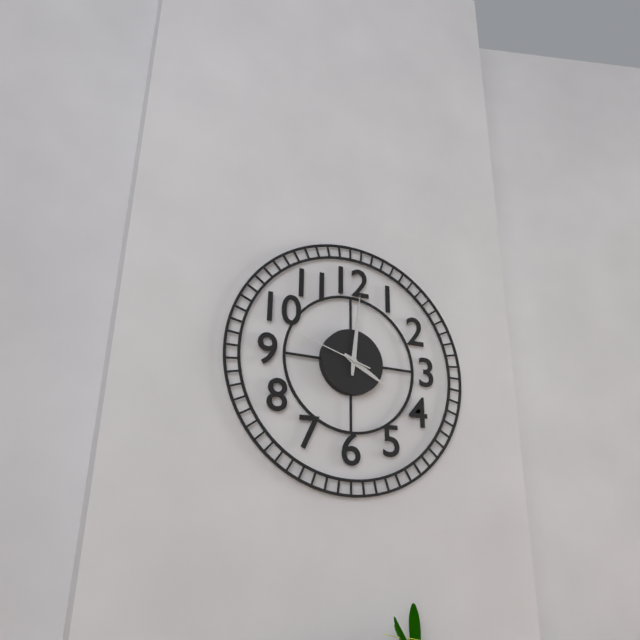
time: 4:01:48
